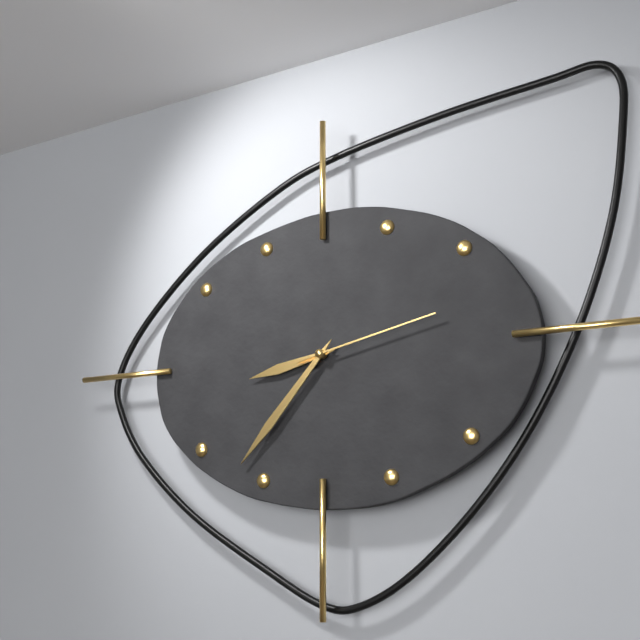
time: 8:37:13
